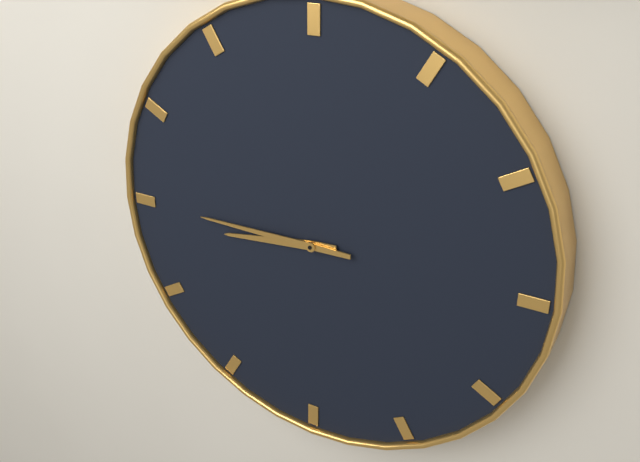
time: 8:45
